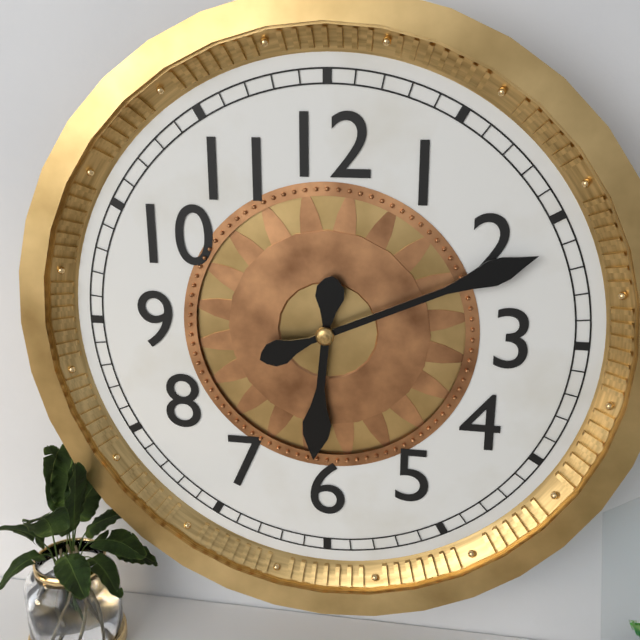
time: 6:11
